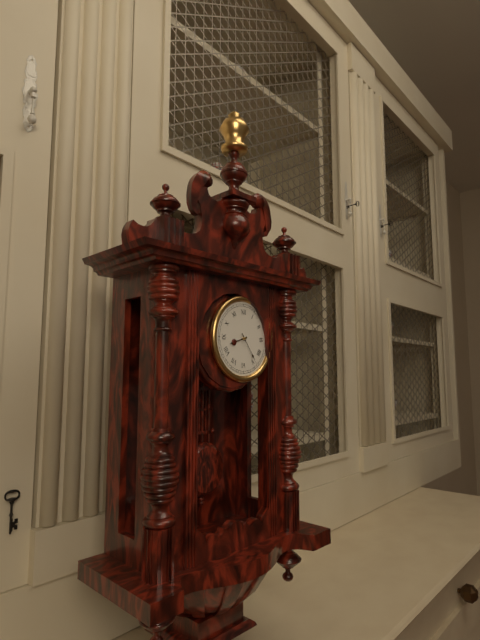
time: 8:24
